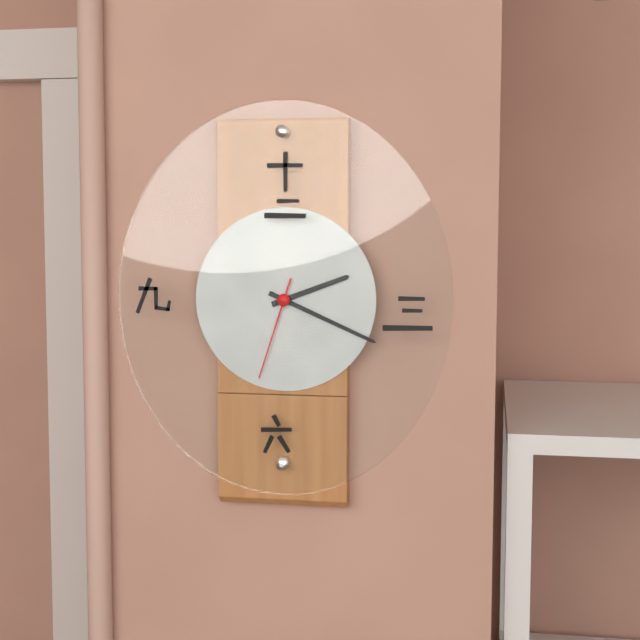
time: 2:19:33
